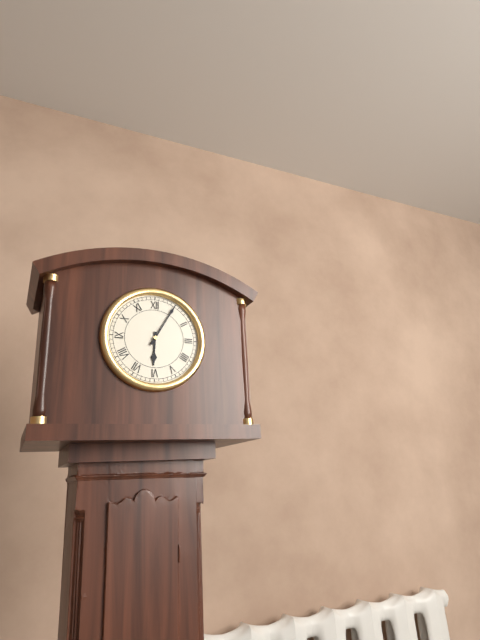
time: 6:05
